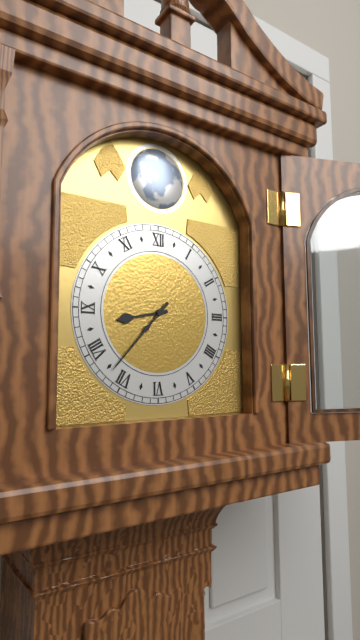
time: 8:37
